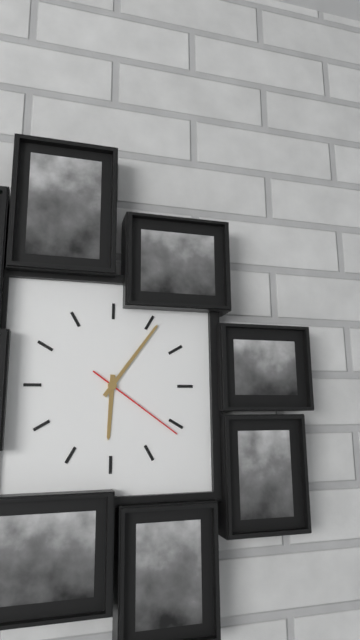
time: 6:06:21
